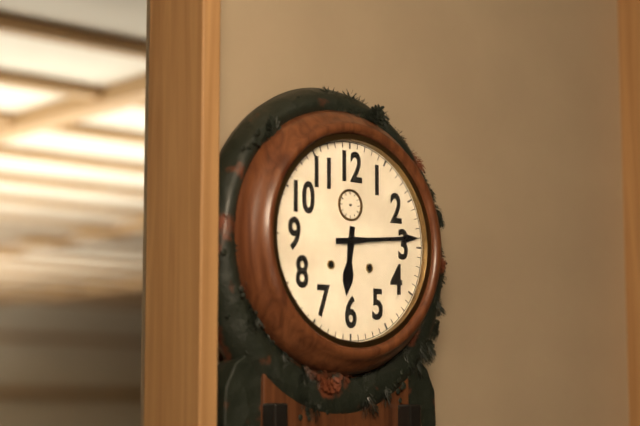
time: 6:14
